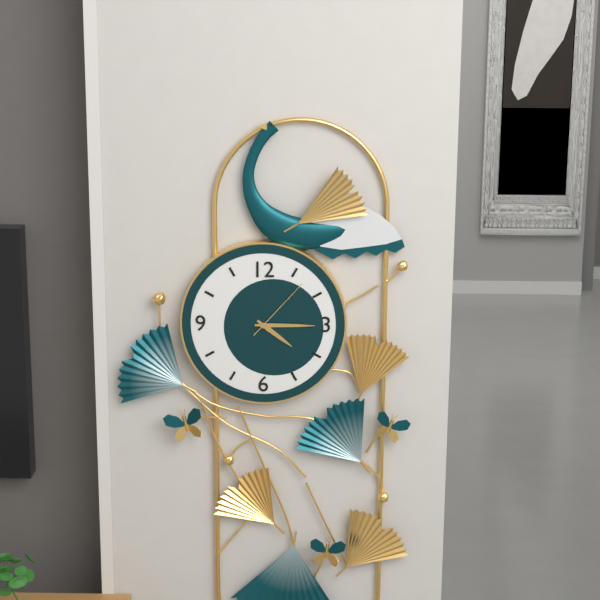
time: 4:15:07
